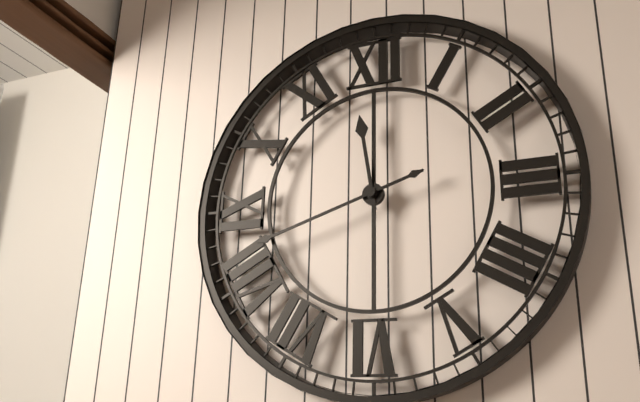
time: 11:42
